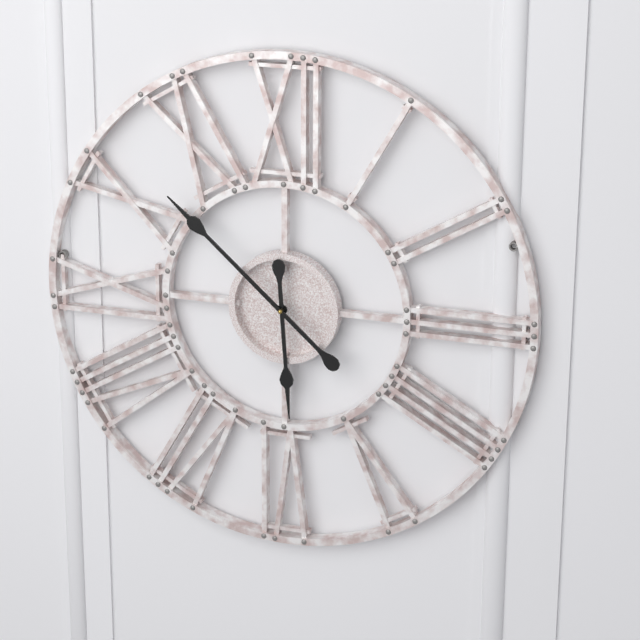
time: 5:52
